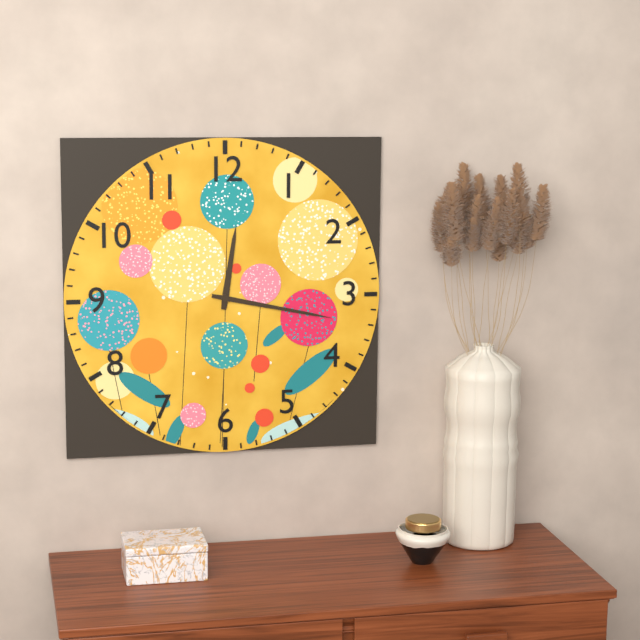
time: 12:17
